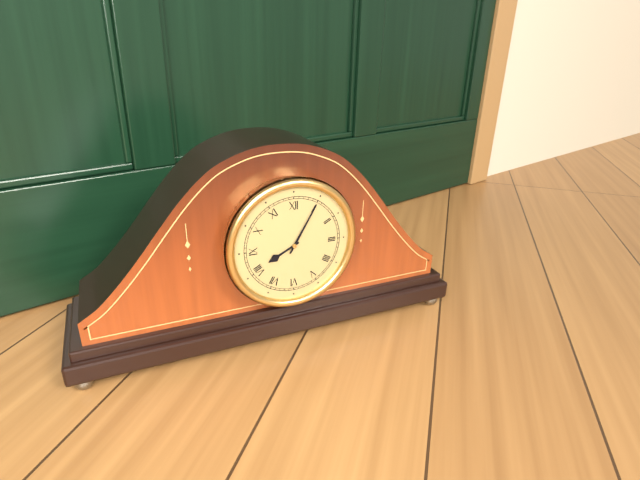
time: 8:05
